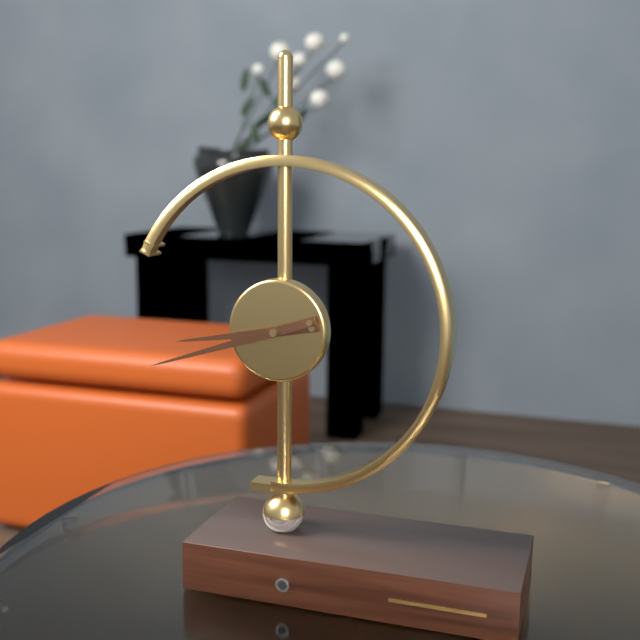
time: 8:42
